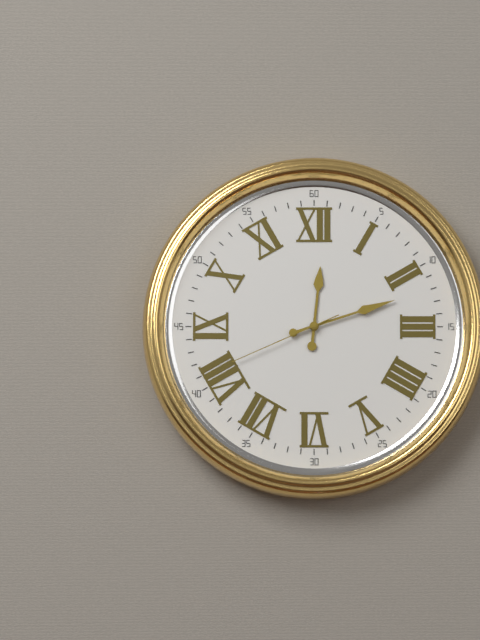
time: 12:12:41
